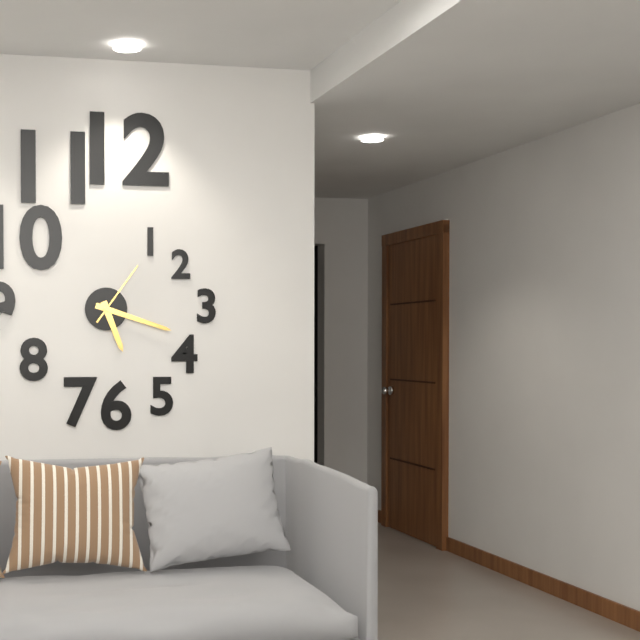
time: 5:18:06
